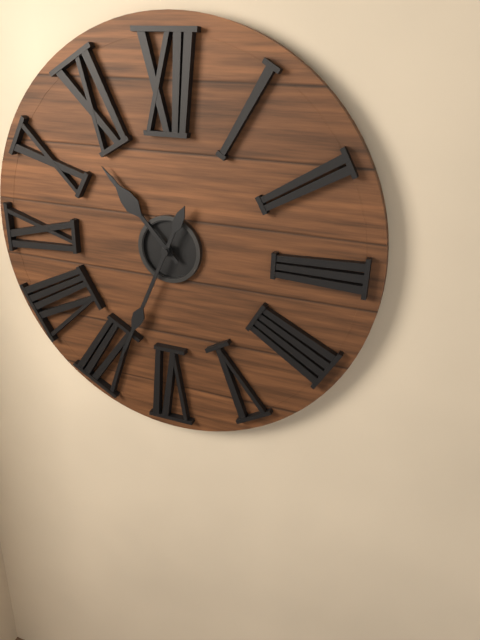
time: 10:34
